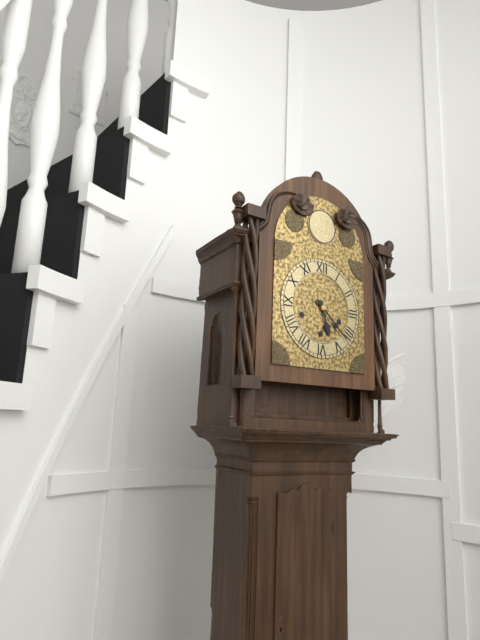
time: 5:22
